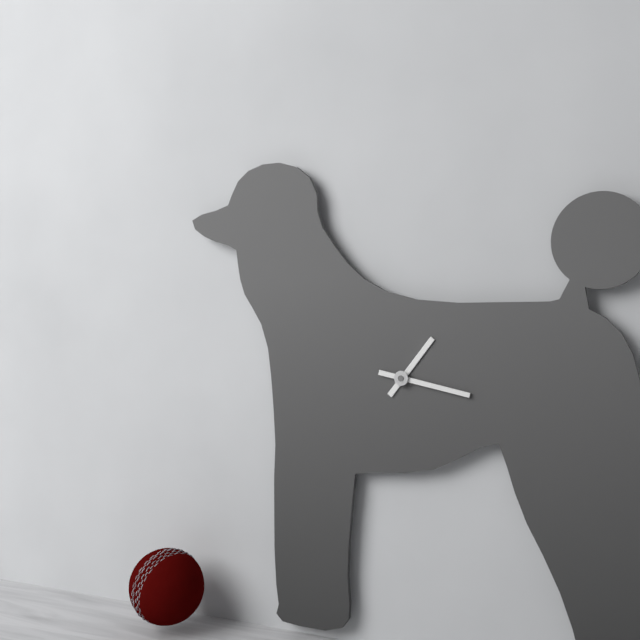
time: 1:17
